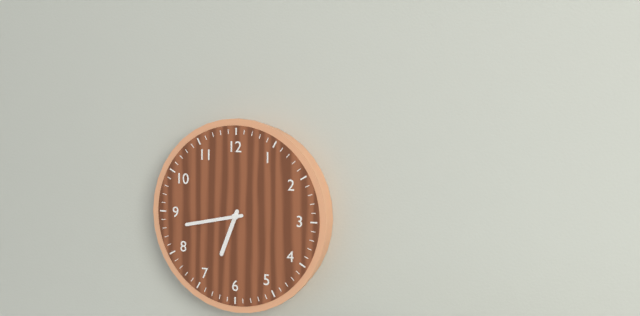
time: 6:43
